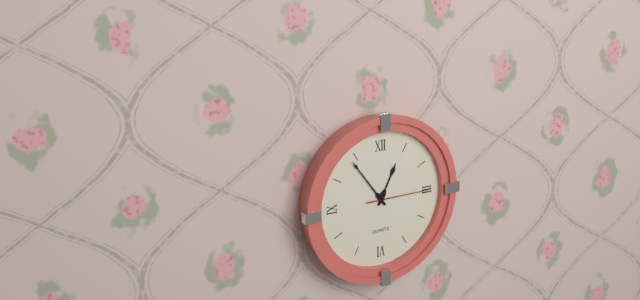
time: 12:54:15
